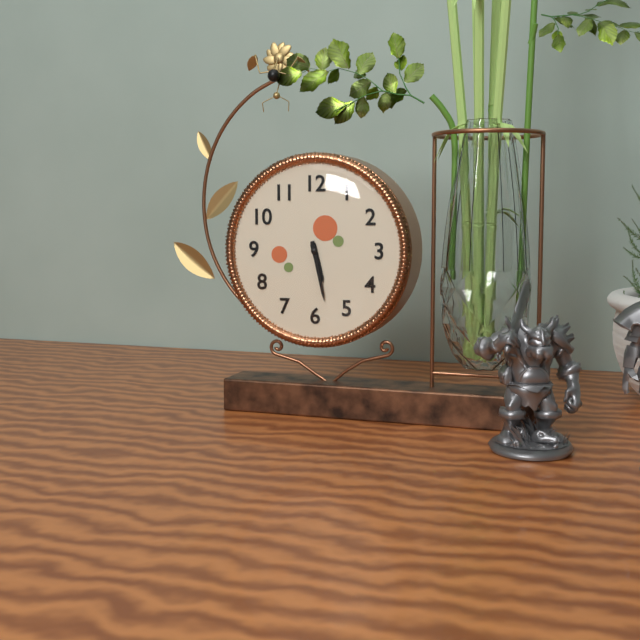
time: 5:28
